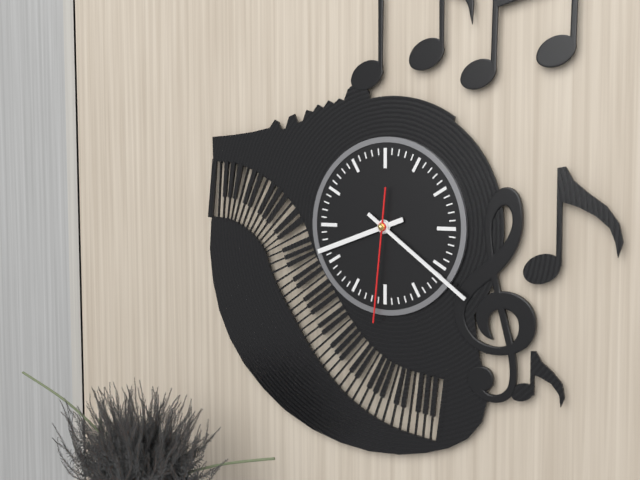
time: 8:21:31
